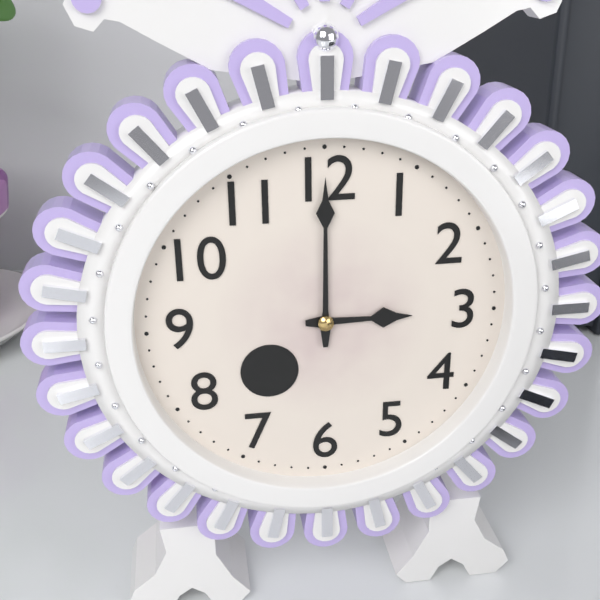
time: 3:00
